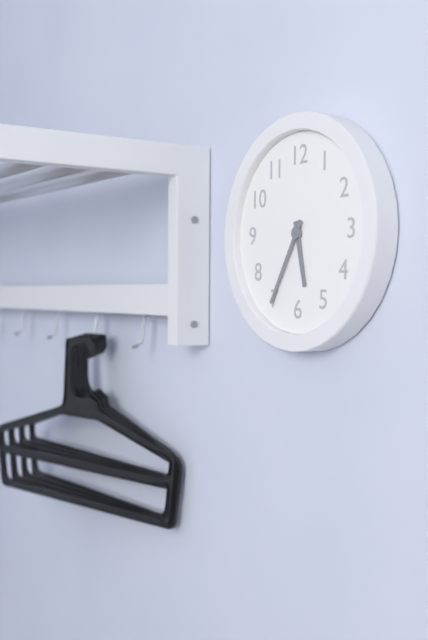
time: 5:35
